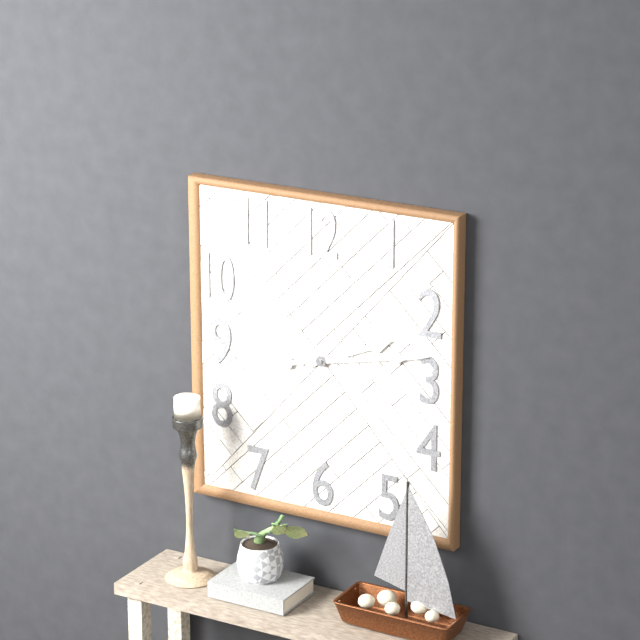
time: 2:13
